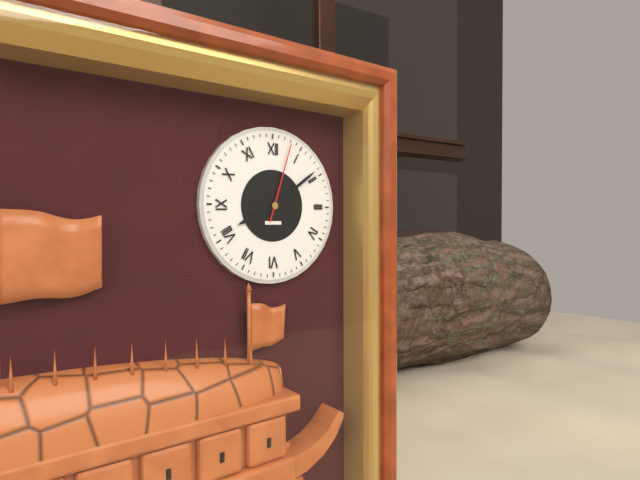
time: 8:09:03
